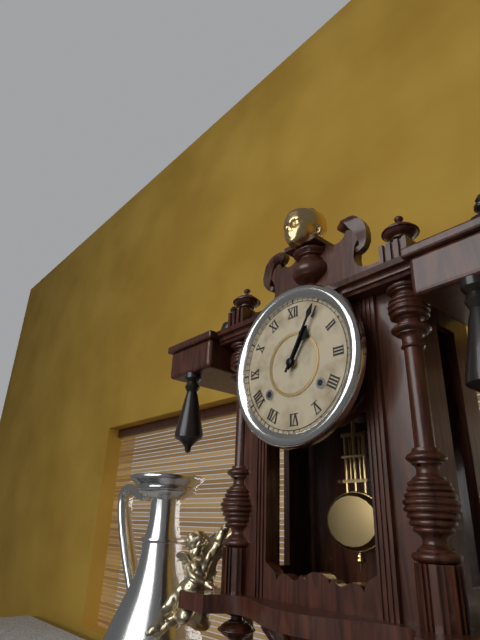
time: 1:05
